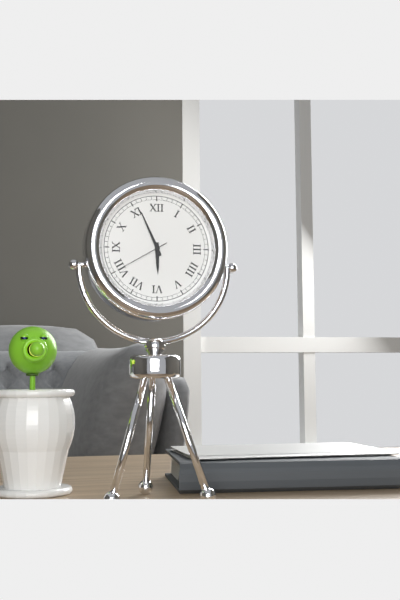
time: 5:56:40
